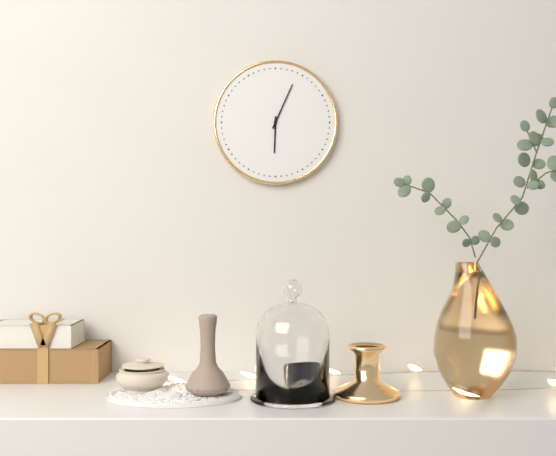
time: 6:04
